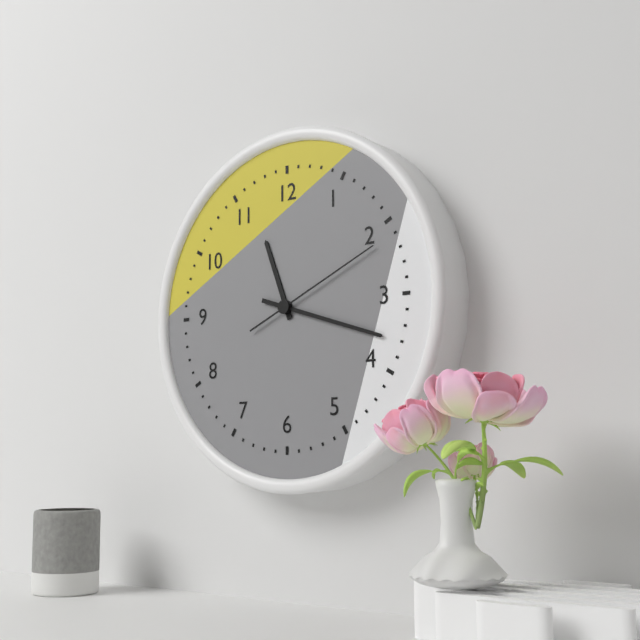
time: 11:18:11
